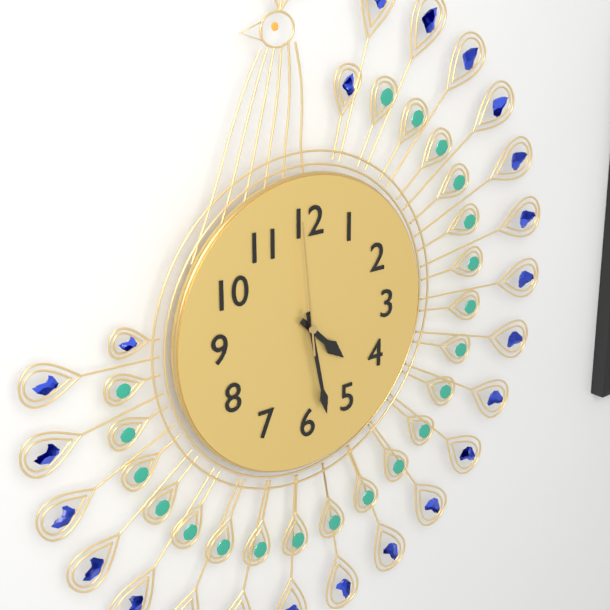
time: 4:28:59
